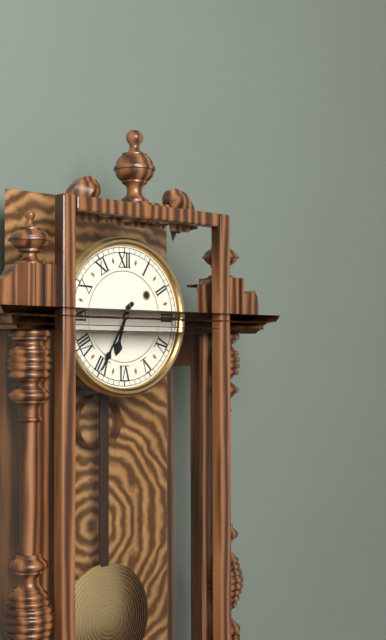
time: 6:35
